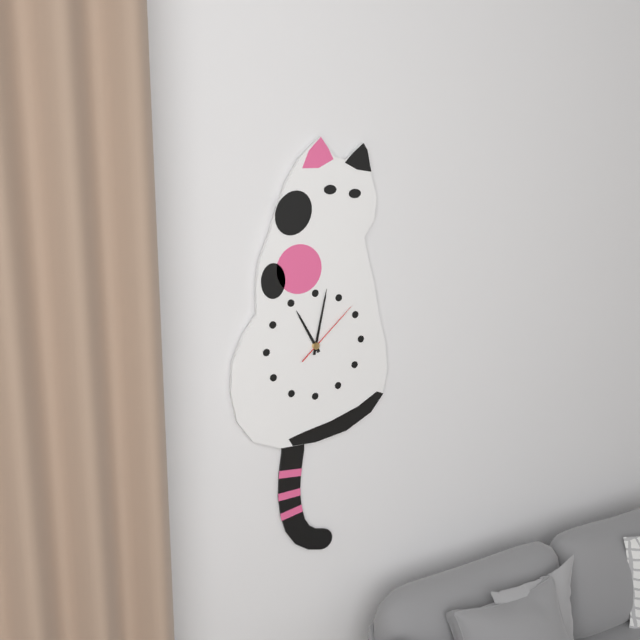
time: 11:02:08
